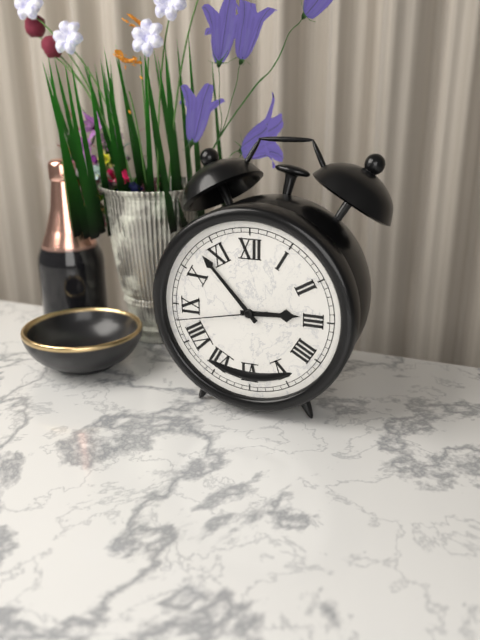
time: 2:53:43
